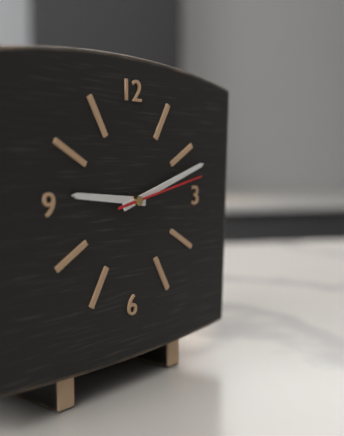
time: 9:12:13
